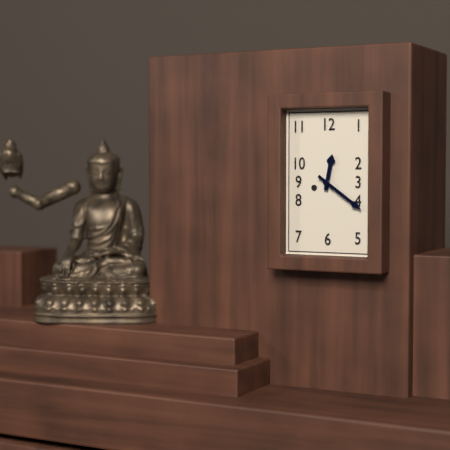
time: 12:21
